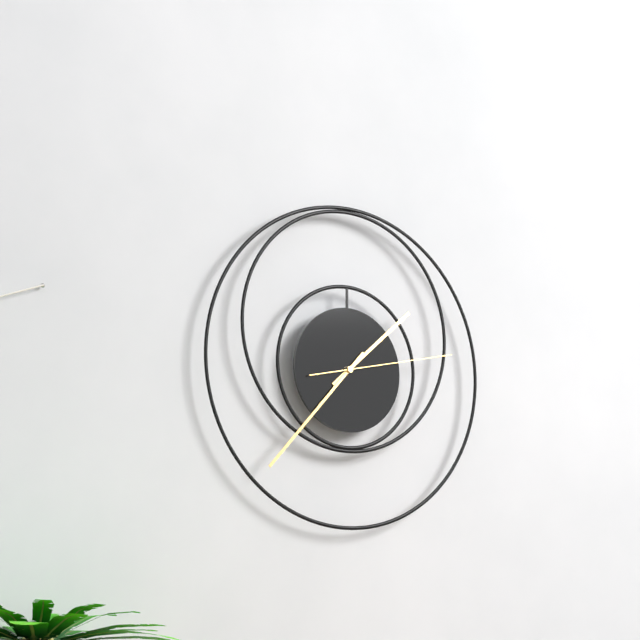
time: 1:37:13
